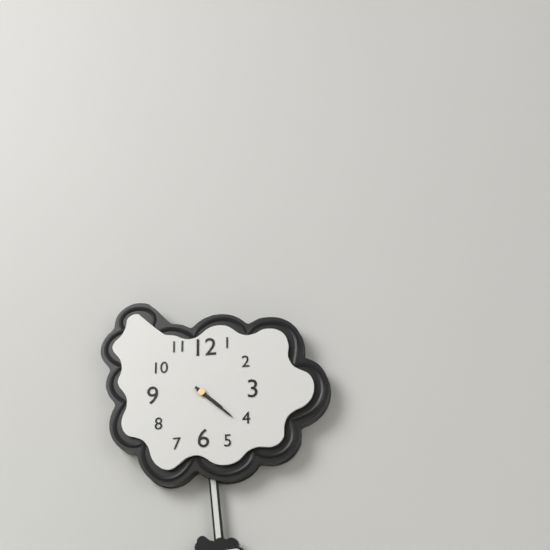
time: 4:22
